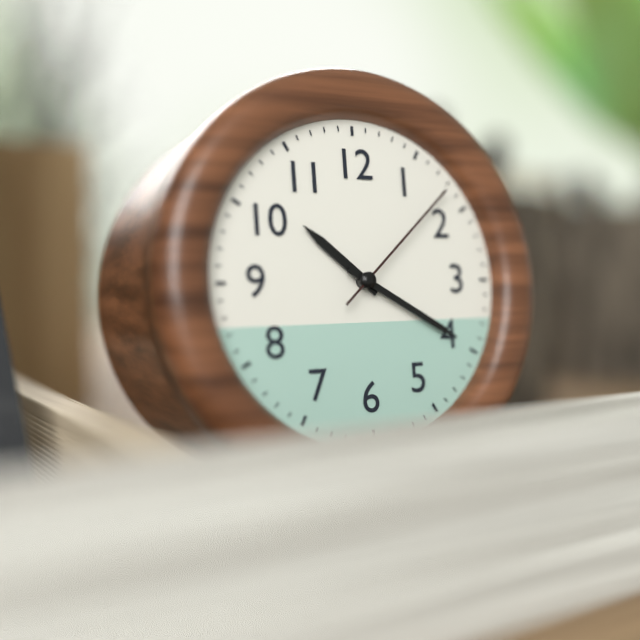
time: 10:20:08
